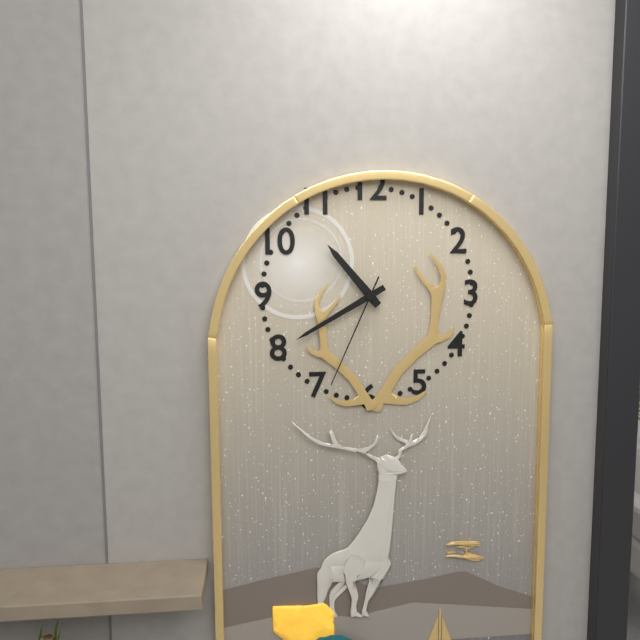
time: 10:40:34
